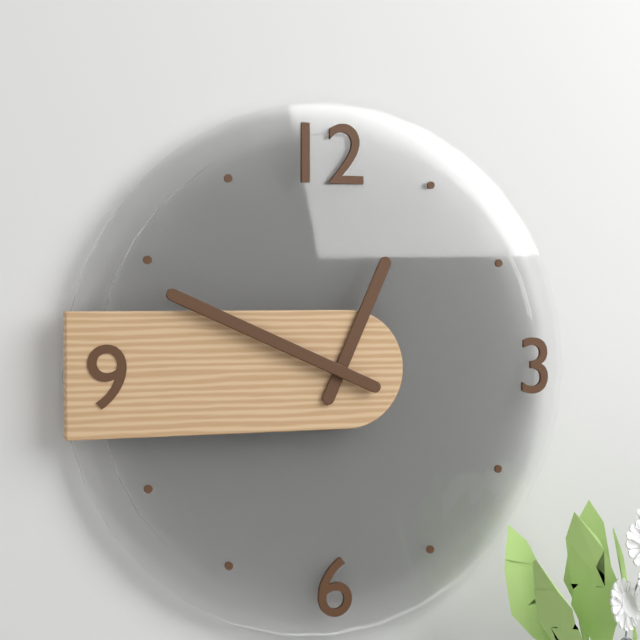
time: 12:49
